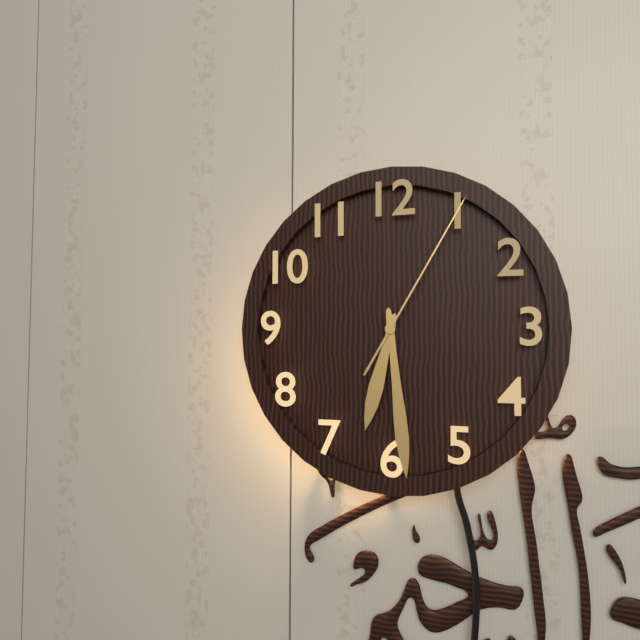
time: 6:29:05
